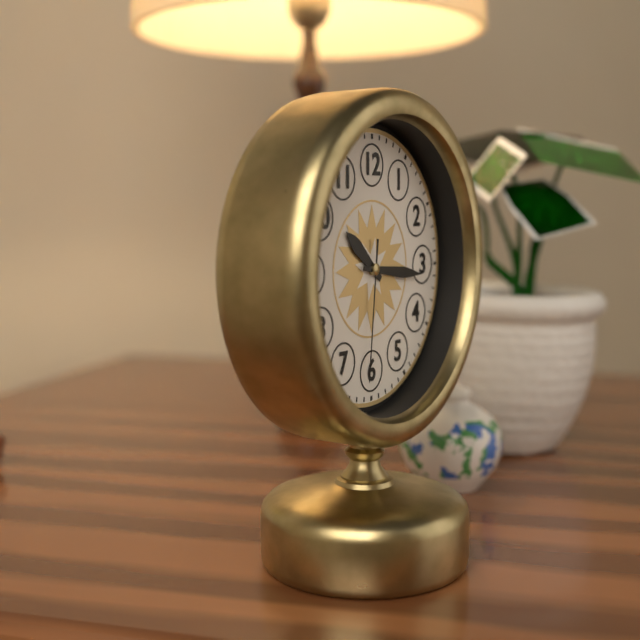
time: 10:16:31
